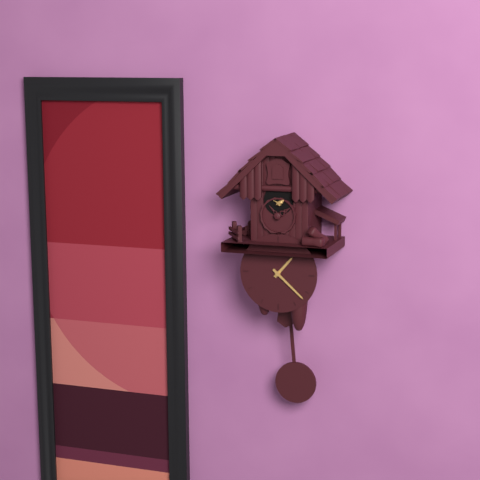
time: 1:22
